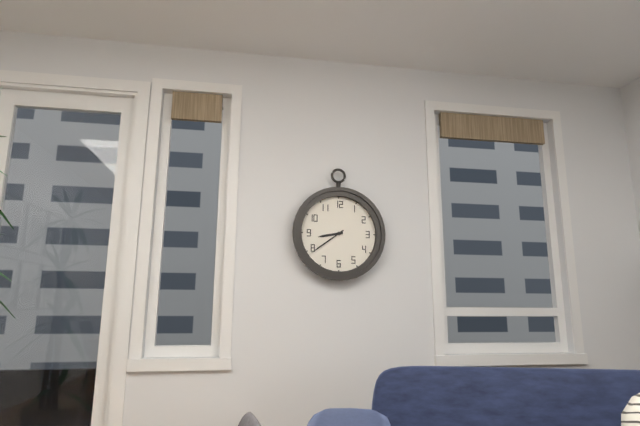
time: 8:39
